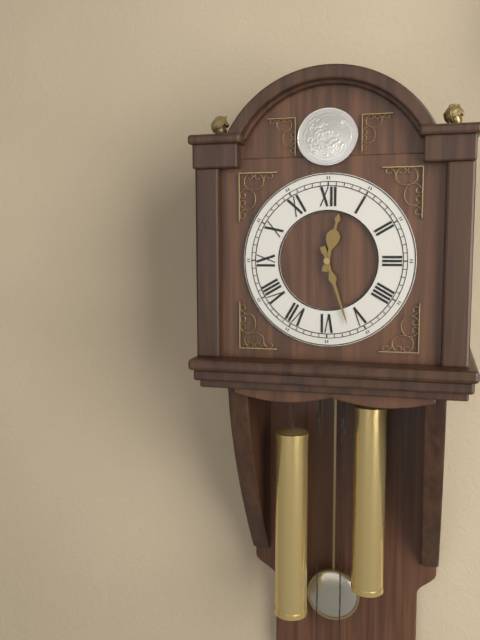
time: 12:27
